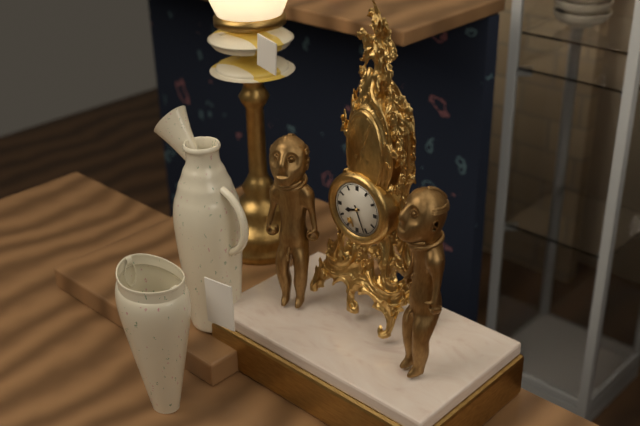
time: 8:26
